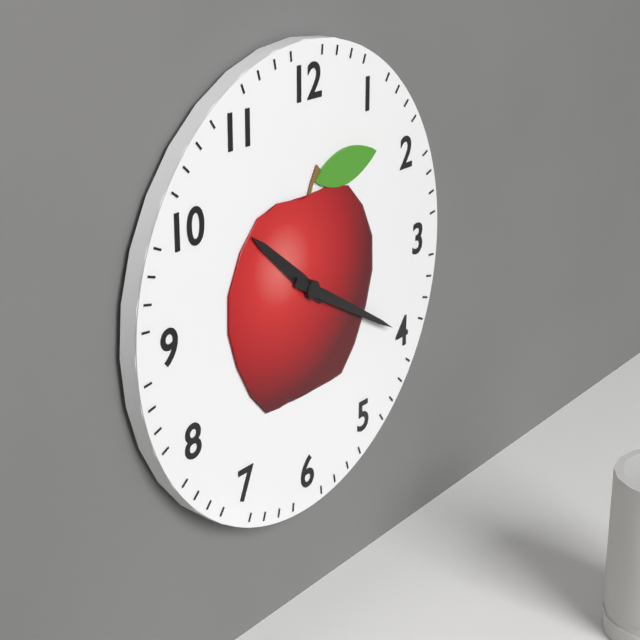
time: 10:20
